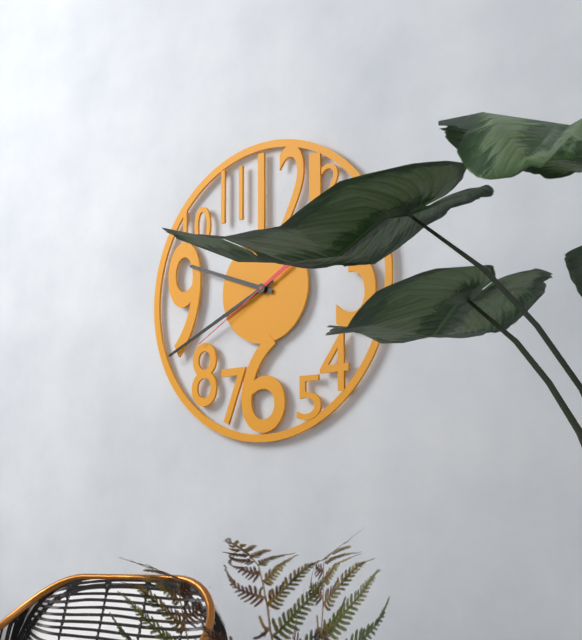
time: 9:41:40
